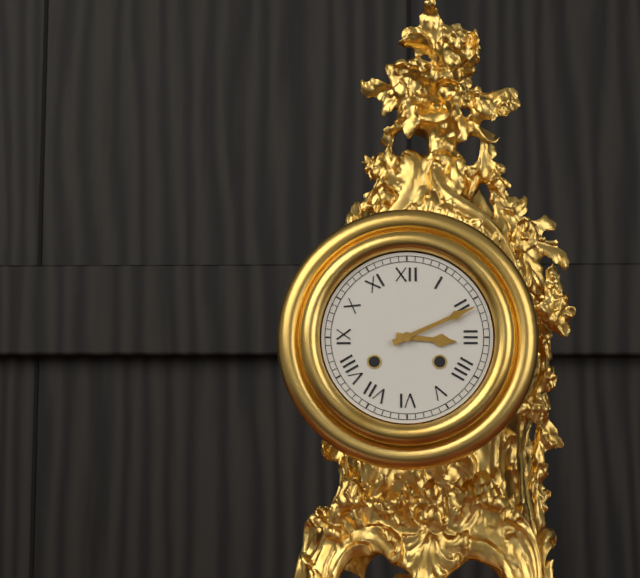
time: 3:11
